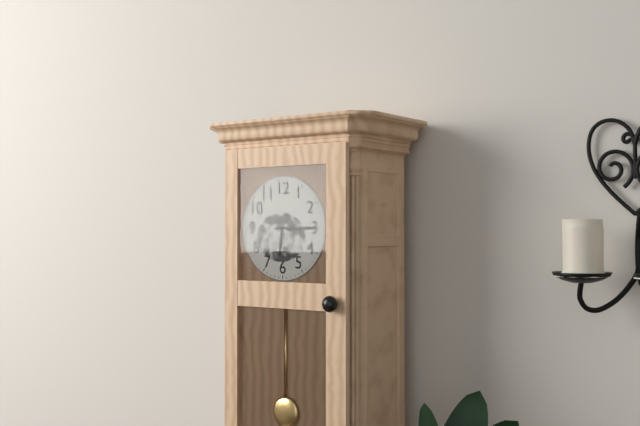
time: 6:15
